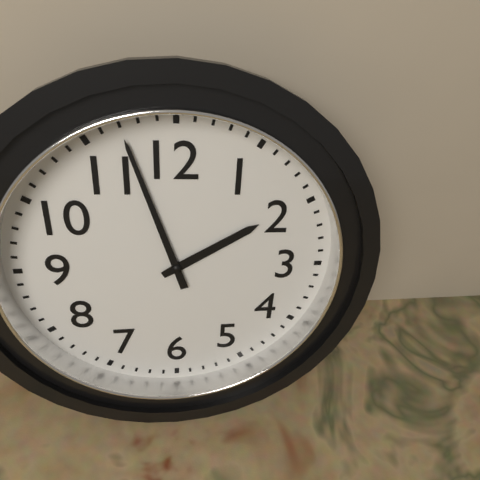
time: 1:57
